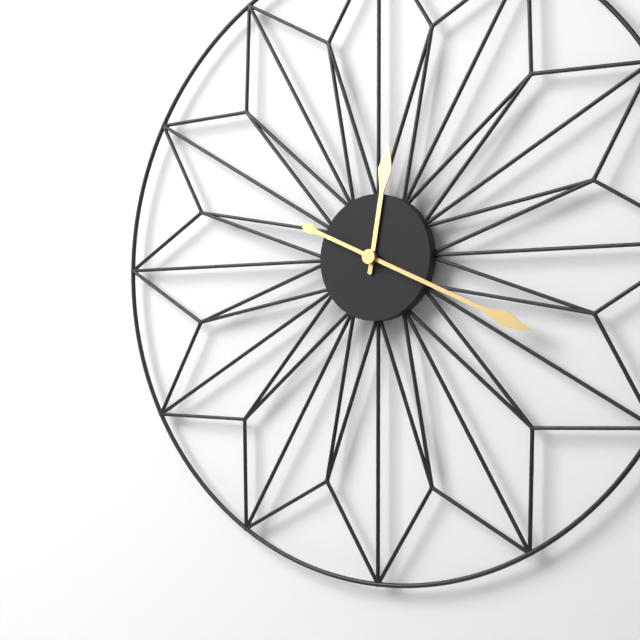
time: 12:19
